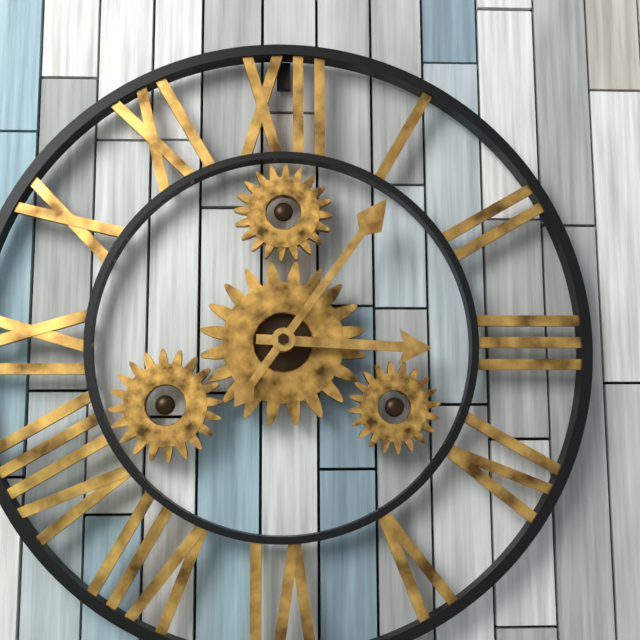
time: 3:06
